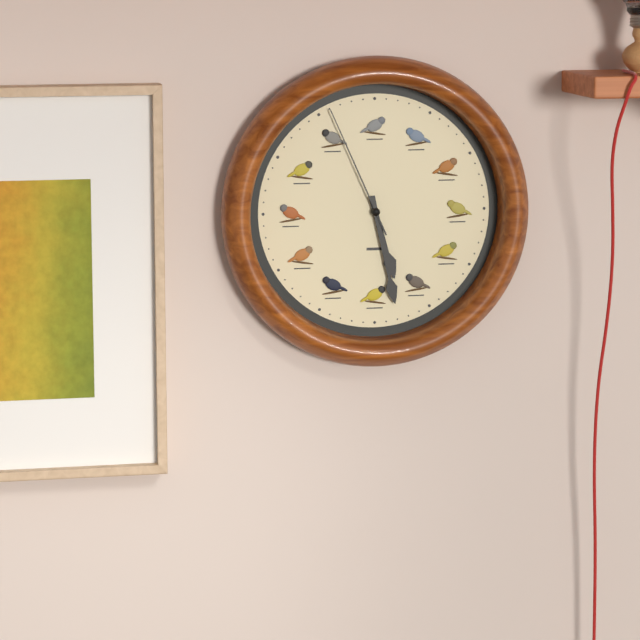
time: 5:28:56
